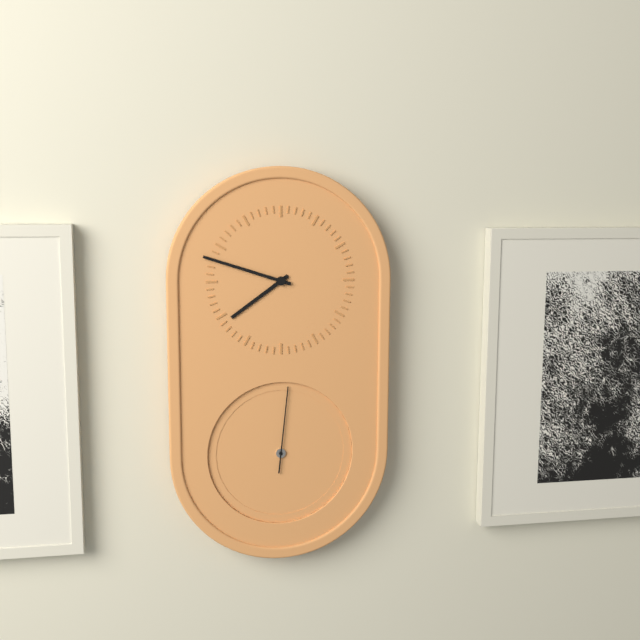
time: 7:48:01
